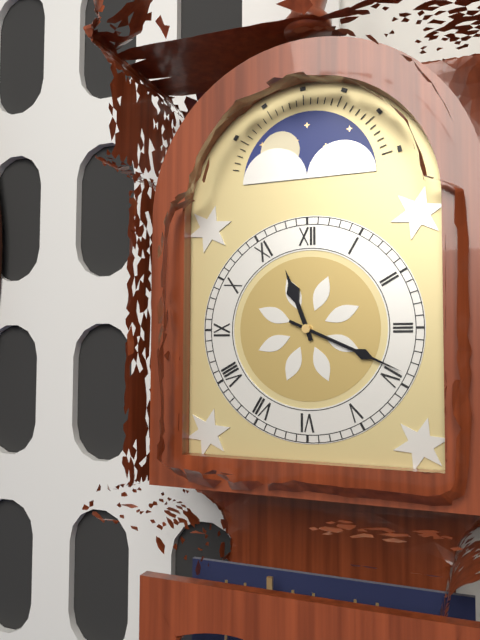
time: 11:19
